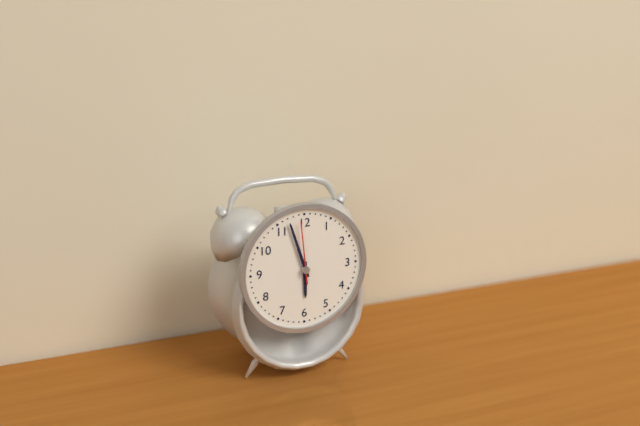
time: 5:57:59
